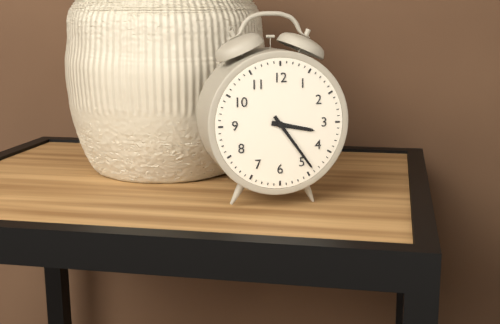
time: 3:24
